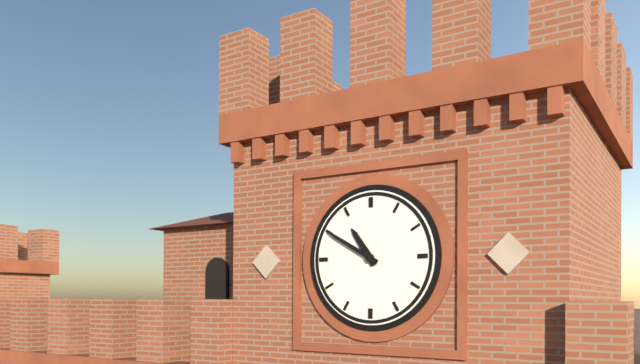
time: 10:50
